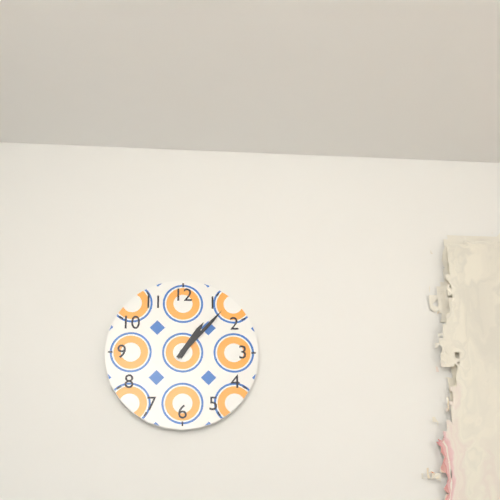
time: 1:07
